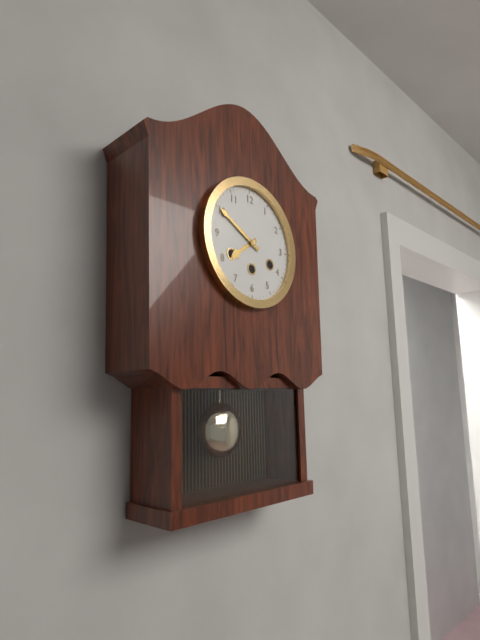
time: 7:50
